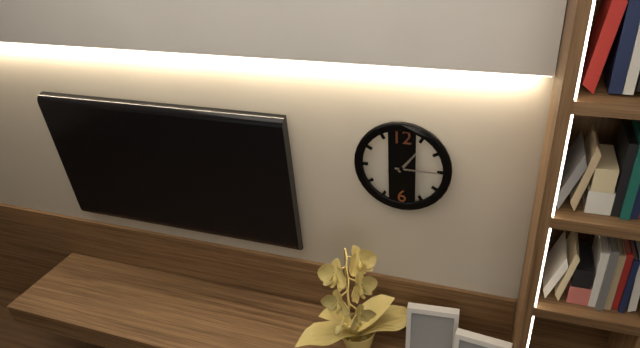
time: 1:15
